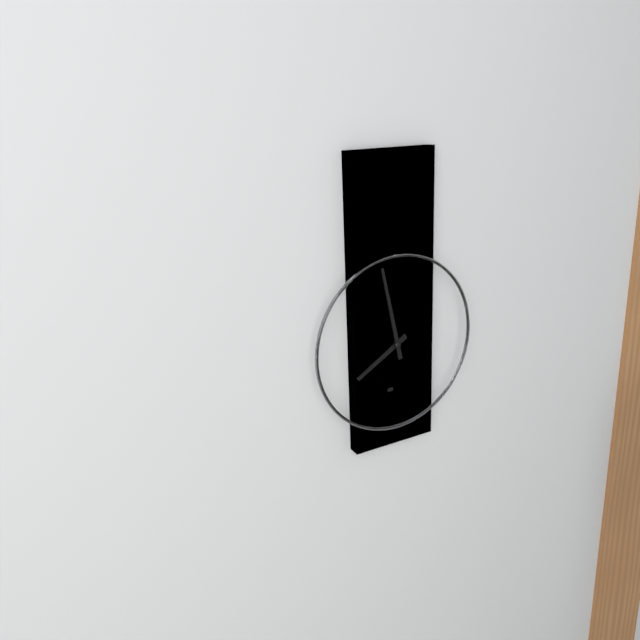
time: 7:58
